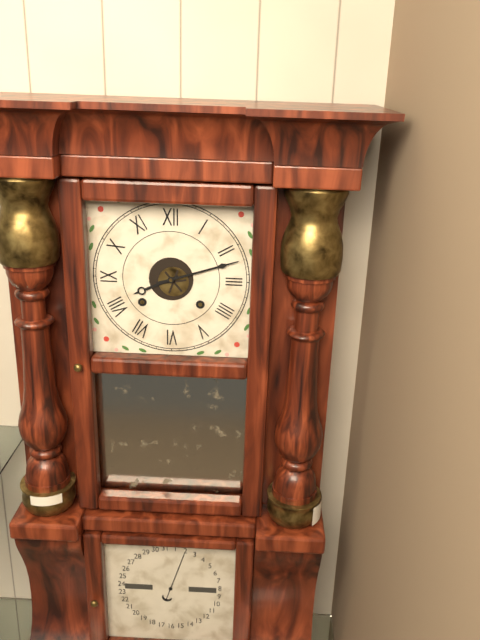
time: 8:12
